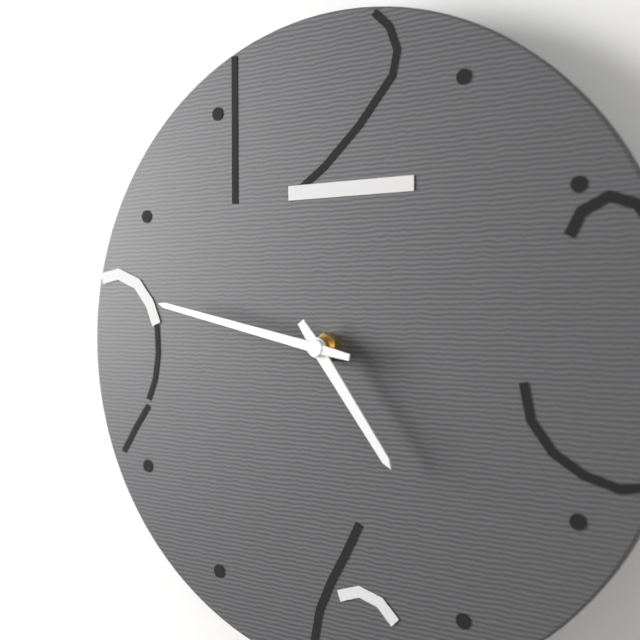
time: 4:47
